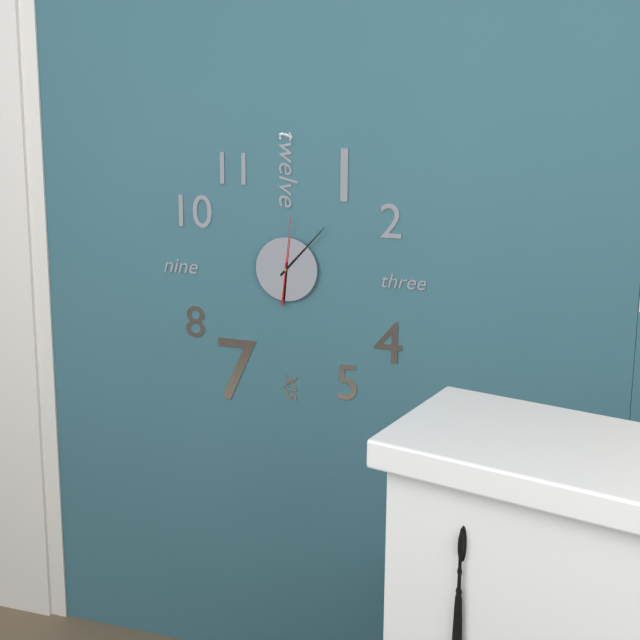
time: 6:07:01
